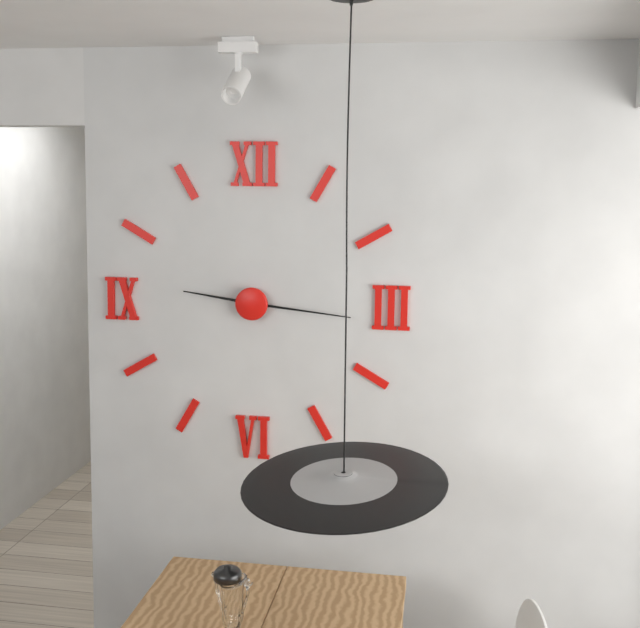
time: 9:16
